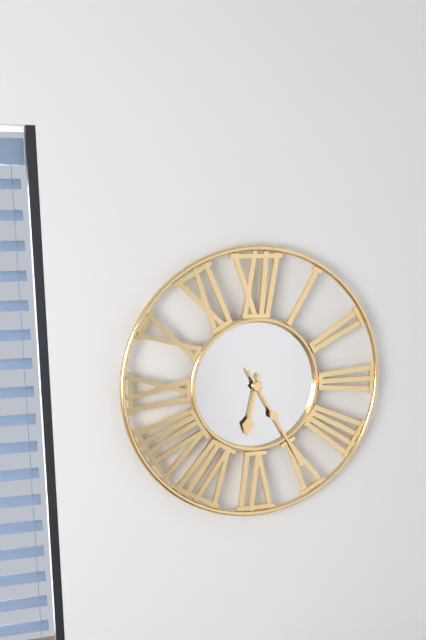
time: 6:25
